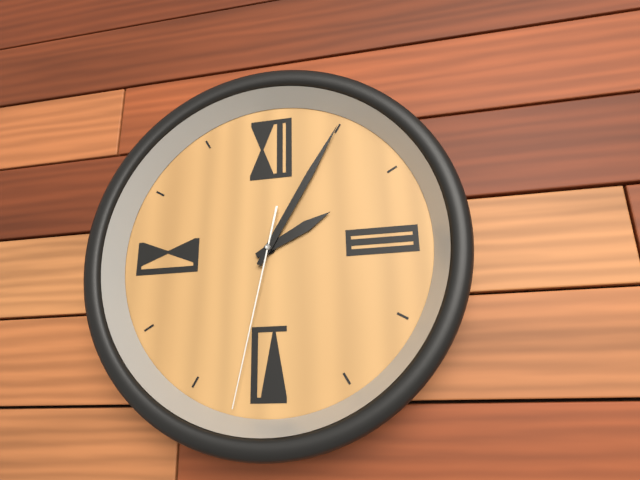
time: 2:05:32
